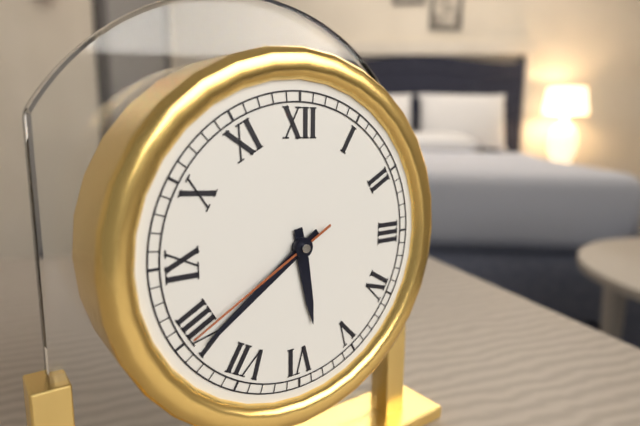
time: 5:39:40
